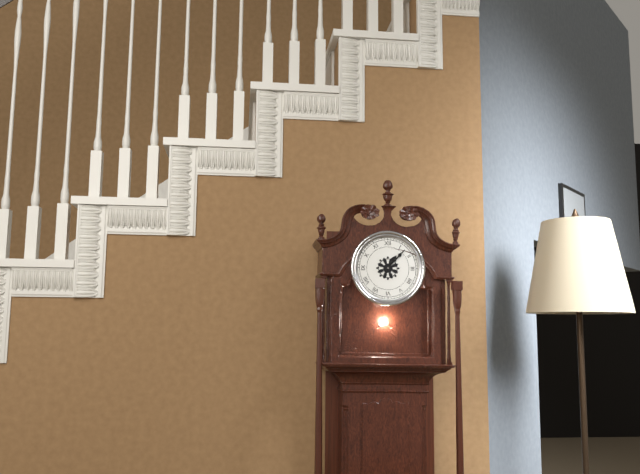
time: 1:07
